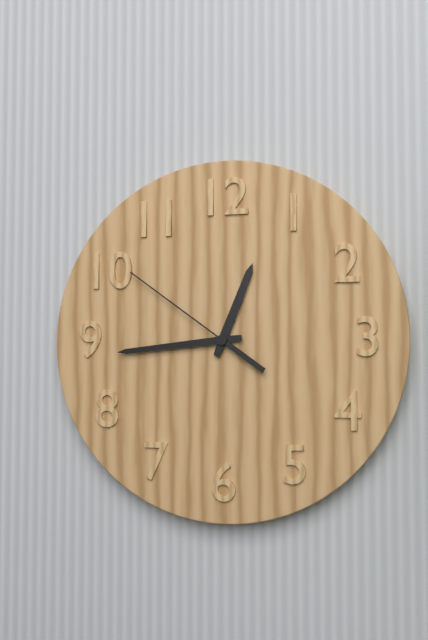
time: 12:44:51
